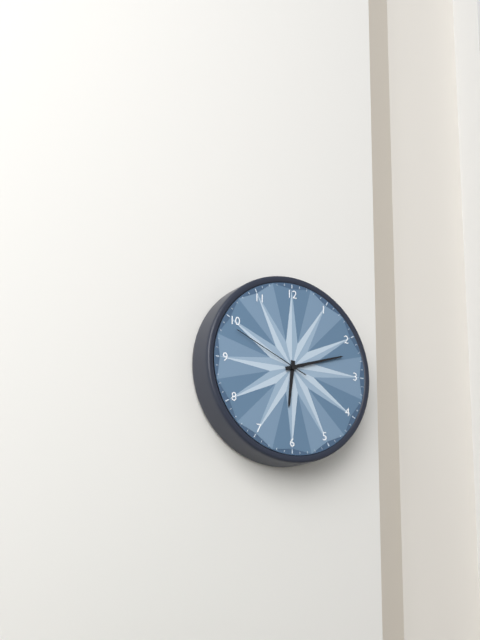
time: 6:12:49
